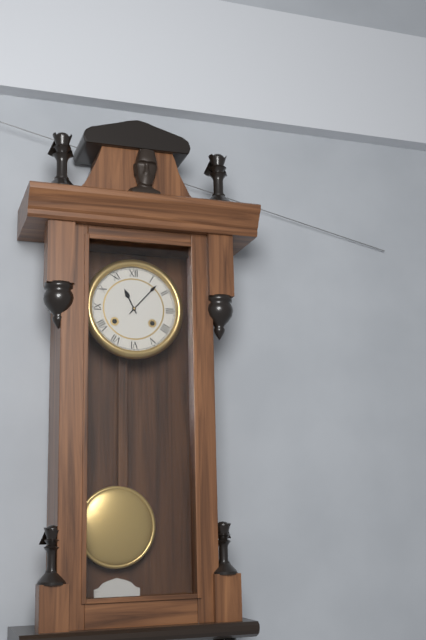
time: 11:07
